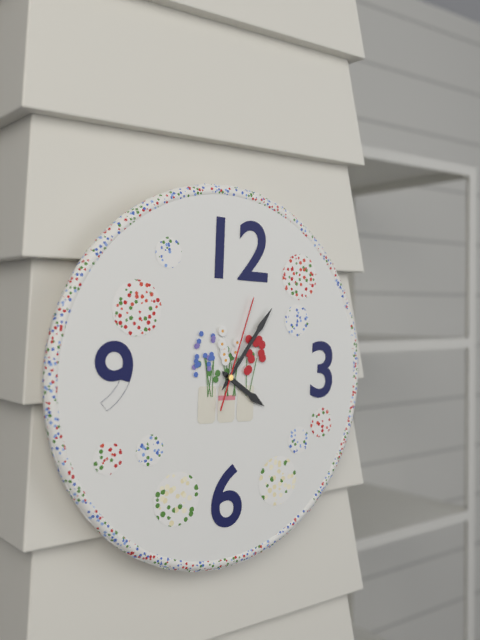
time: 4:06:03
